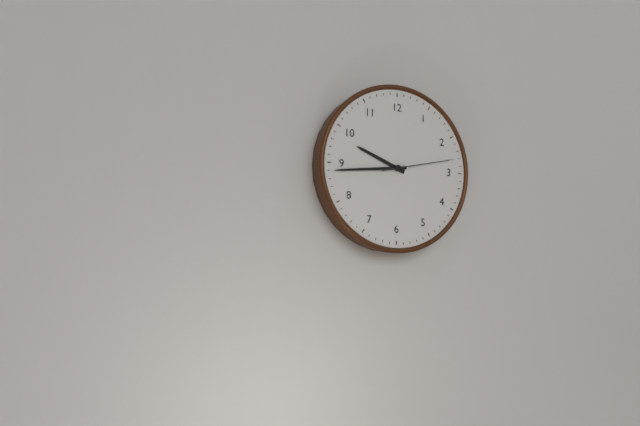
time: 9:44:13
